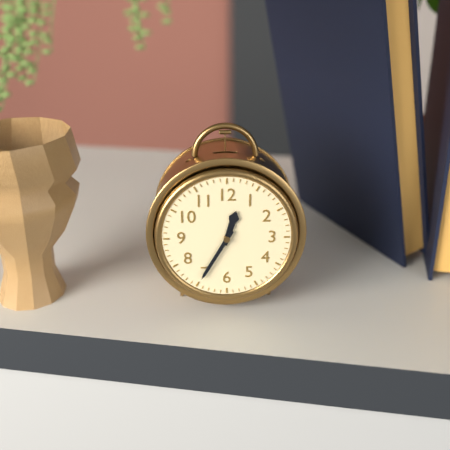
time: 12:35
